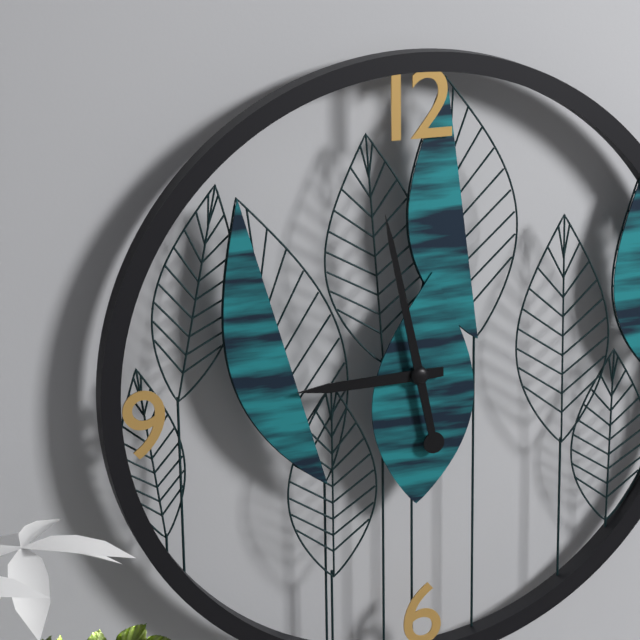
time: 8:58
